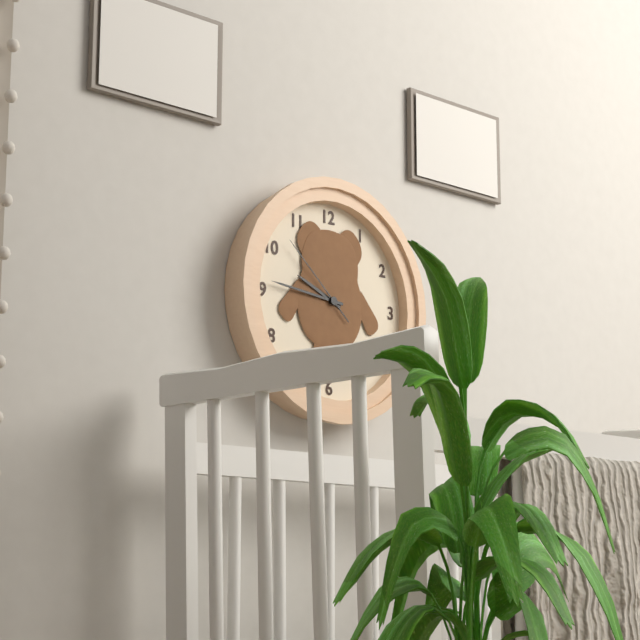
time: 9:46:52
